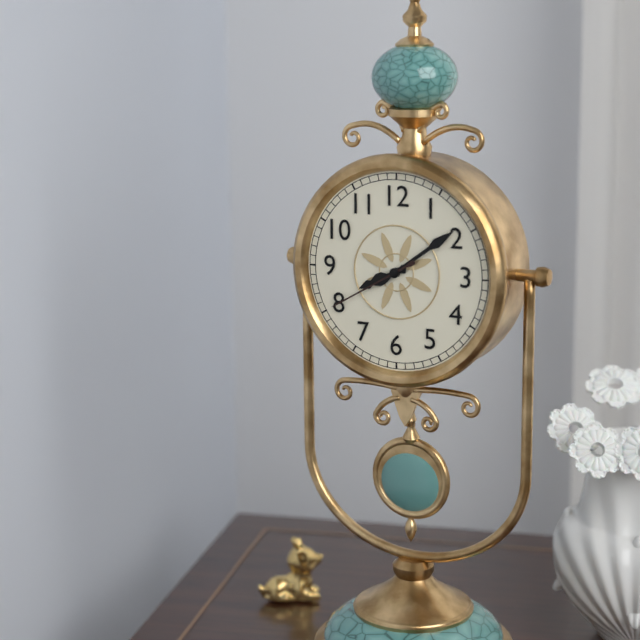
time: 8:09:40
